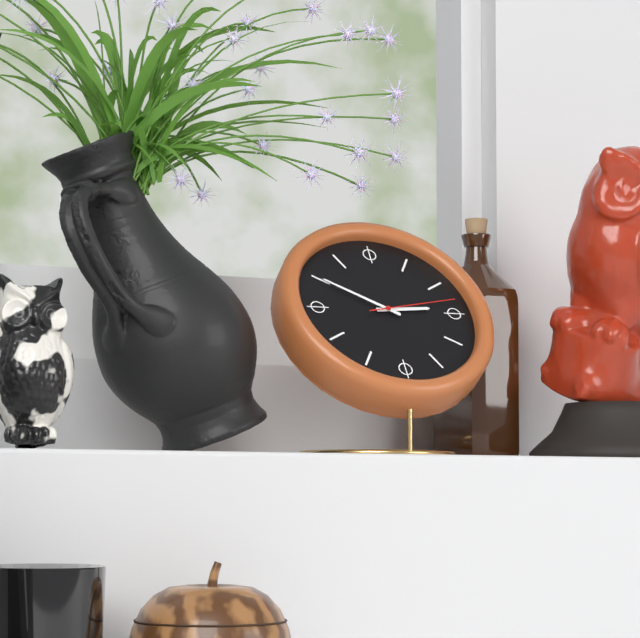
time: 2:50:13
